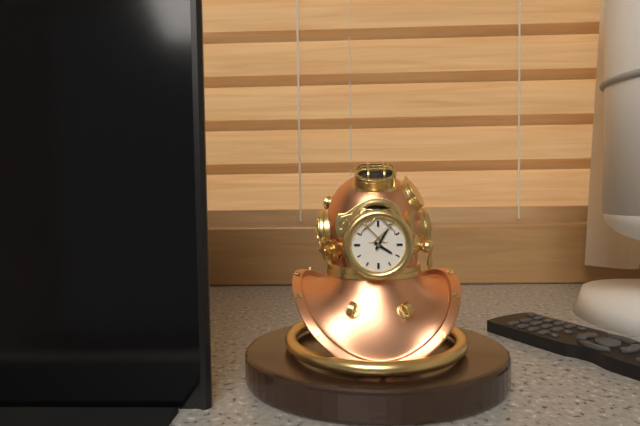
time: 4:05
